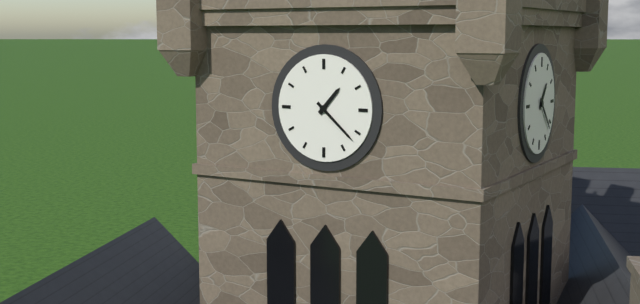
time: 1:22
